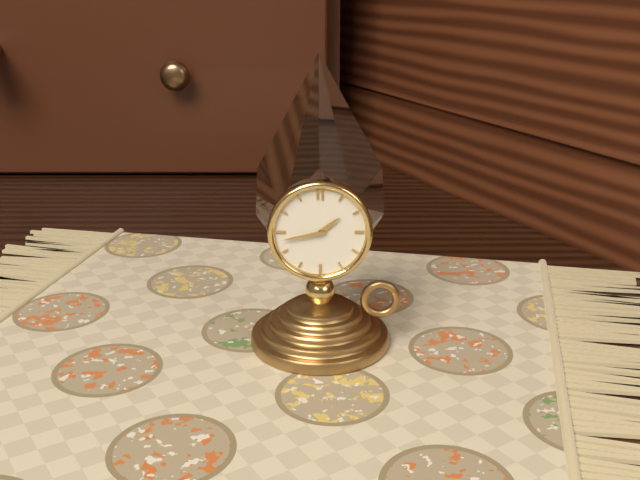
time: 1:43
